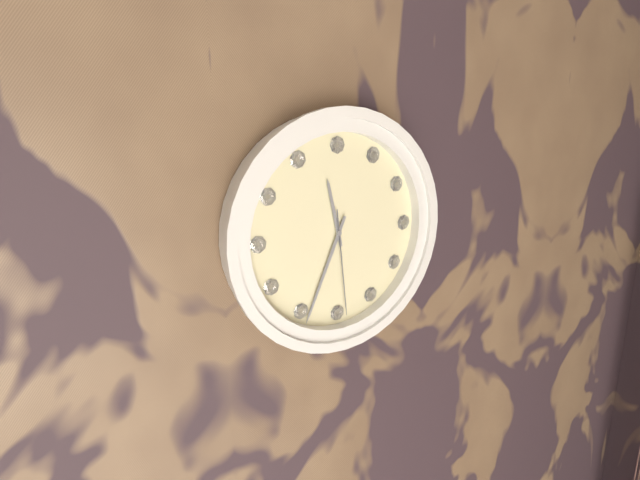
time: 11:34:29
